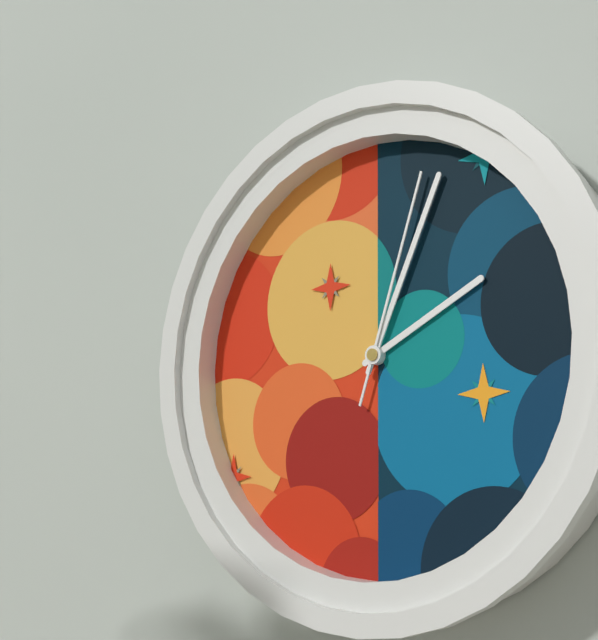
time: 2:04:03
